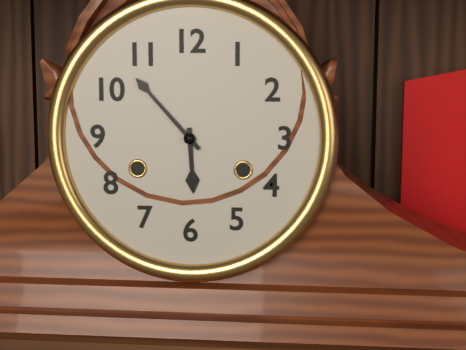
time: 5:53
